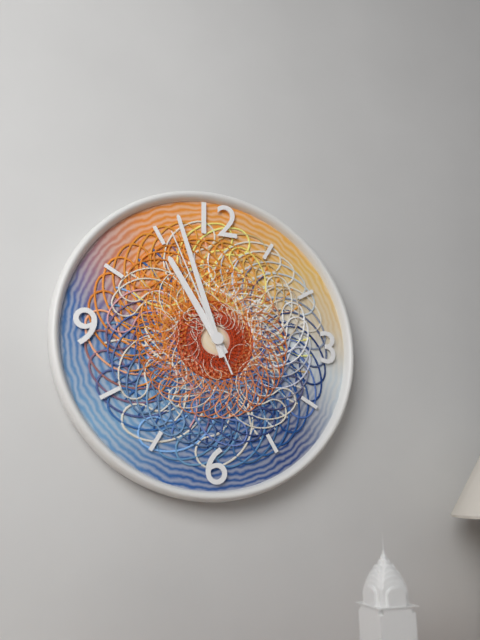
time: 10:57:56
